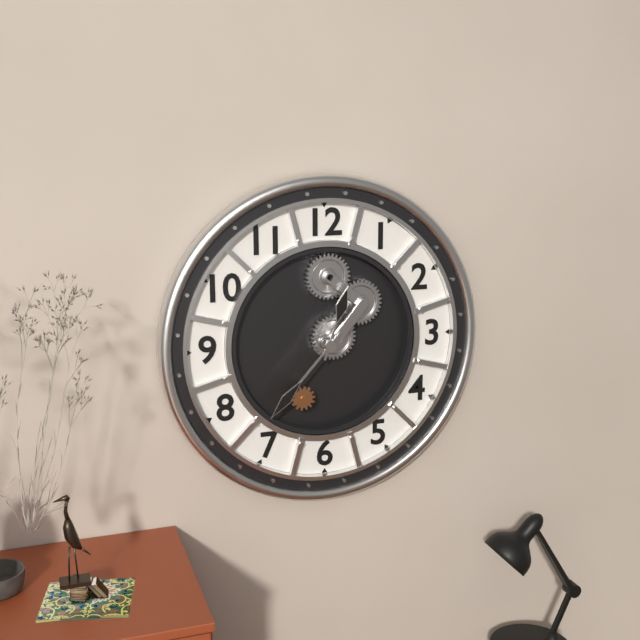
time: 12:37
